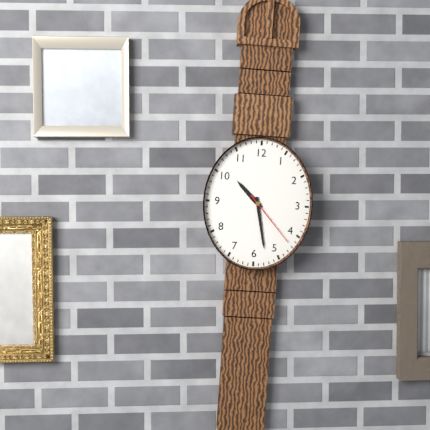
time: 10:28:23
